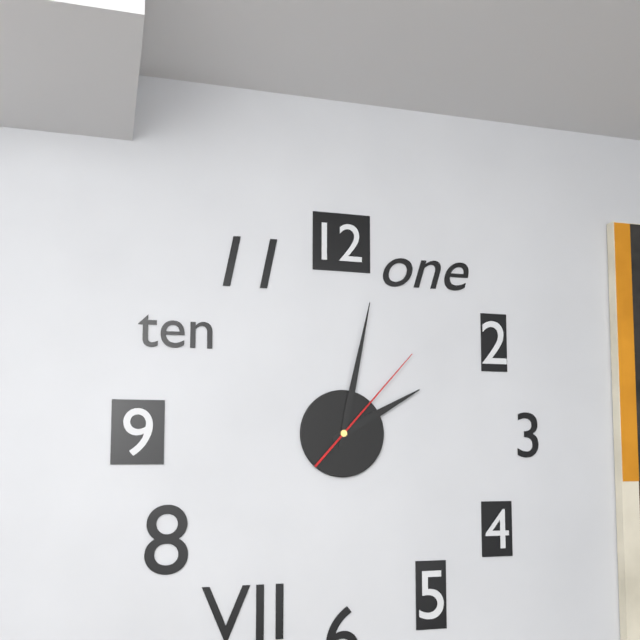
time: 2:02:07
